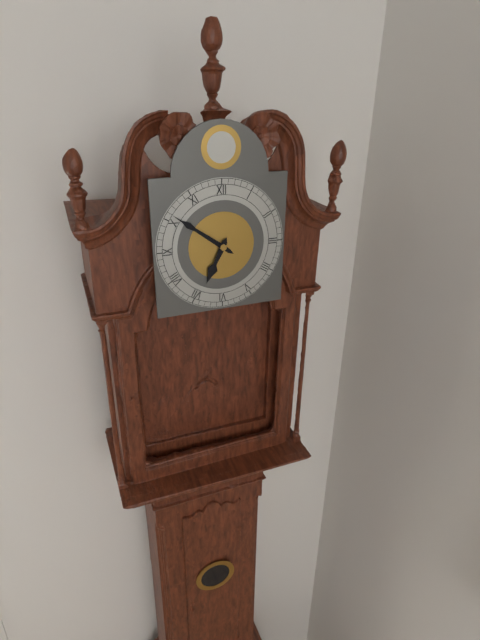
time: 6:51
